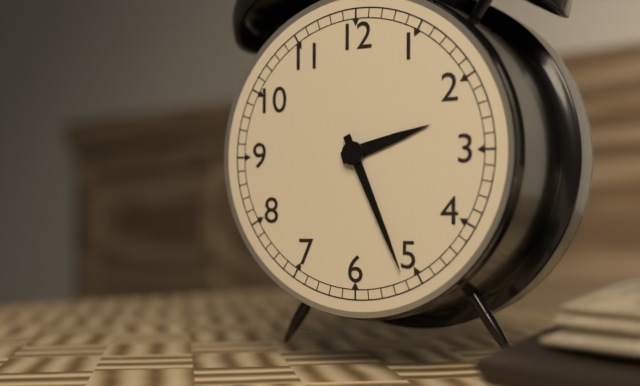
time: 2:26
